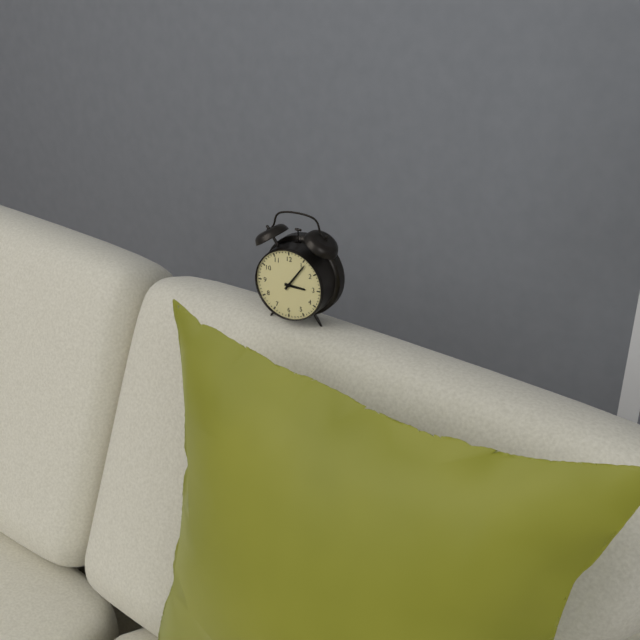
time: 3:06
